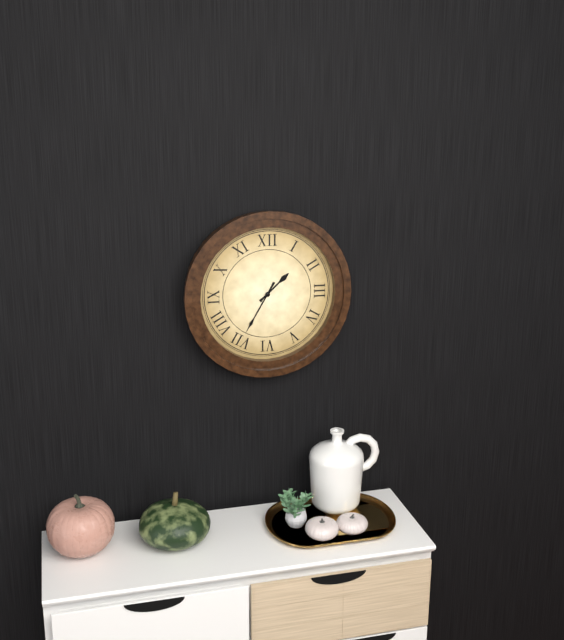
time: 1:35
